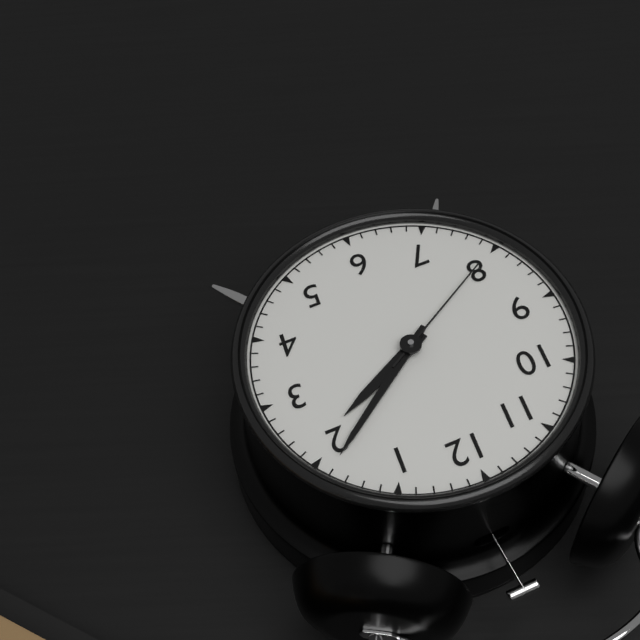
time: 2:09:40
